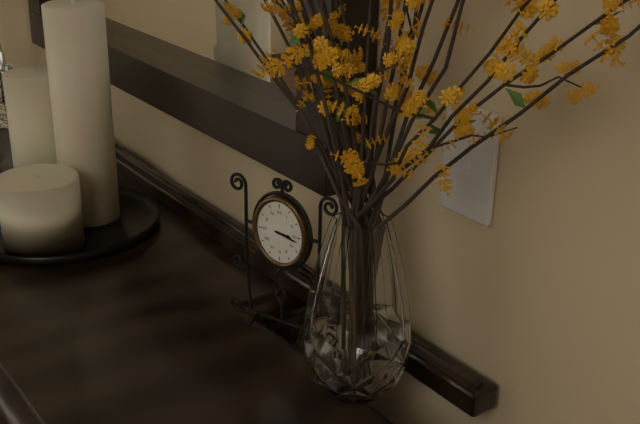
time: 3:17
